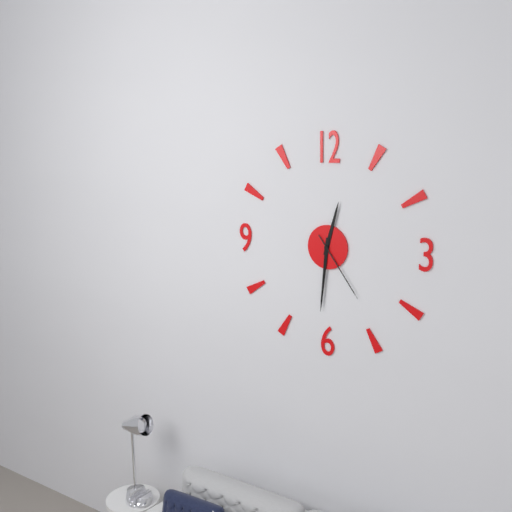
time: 12:31:24
